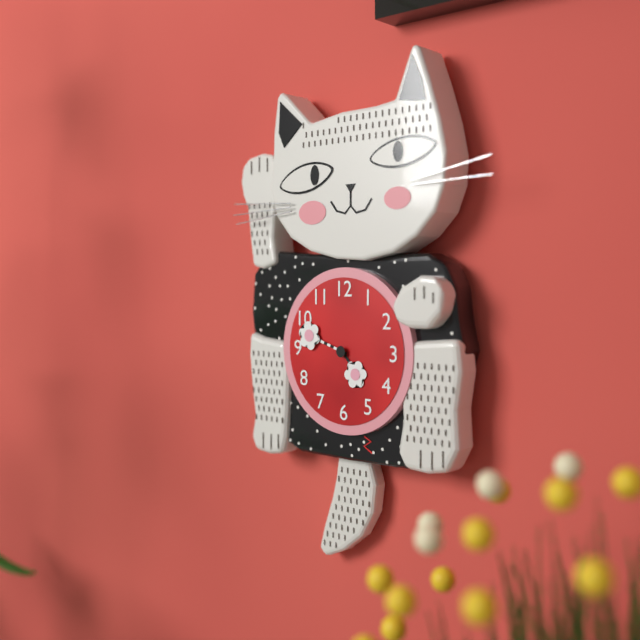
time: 4:48
